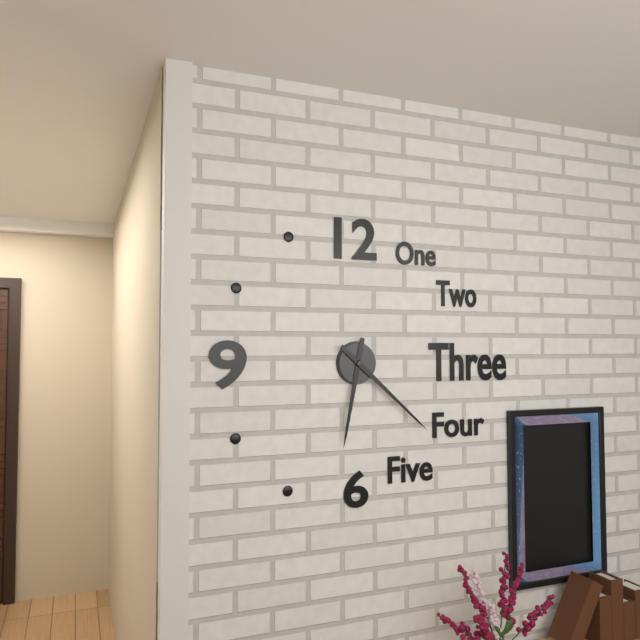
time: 6:22
